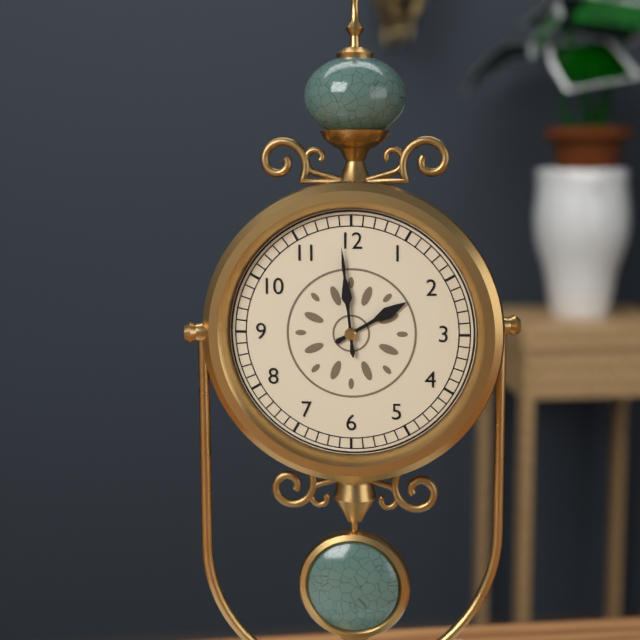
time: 1:59
